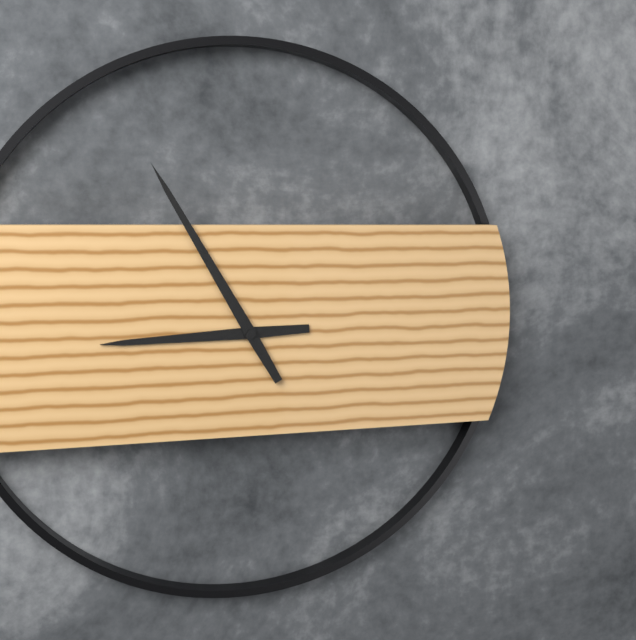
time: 8:55
